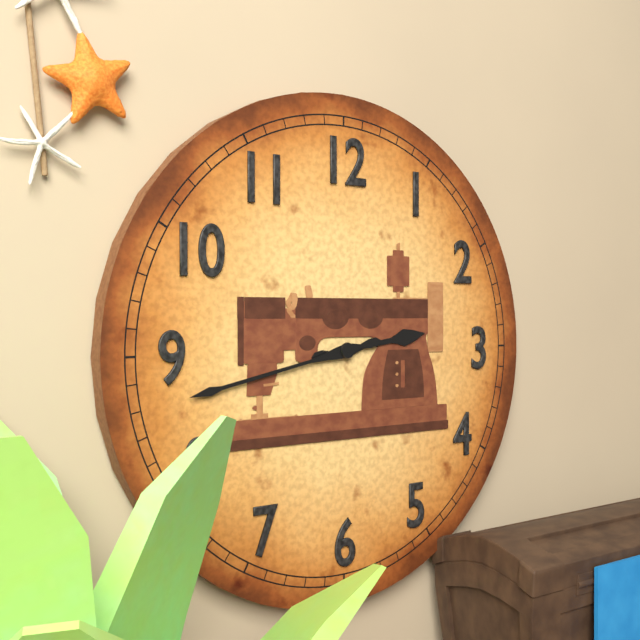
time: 2:43
